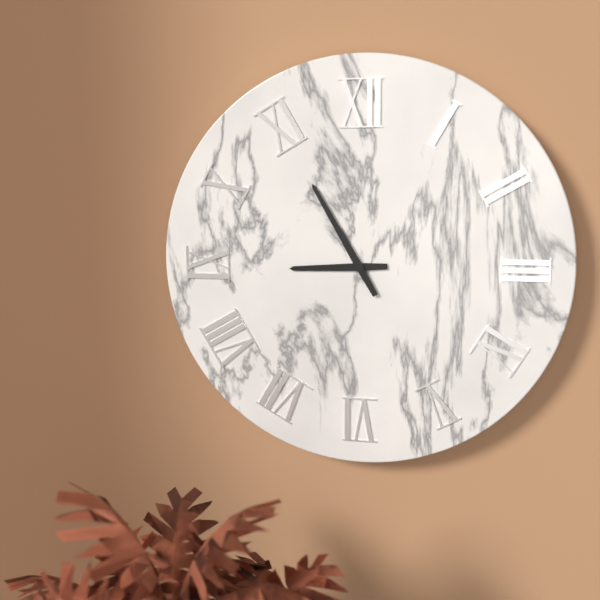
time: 8:55
